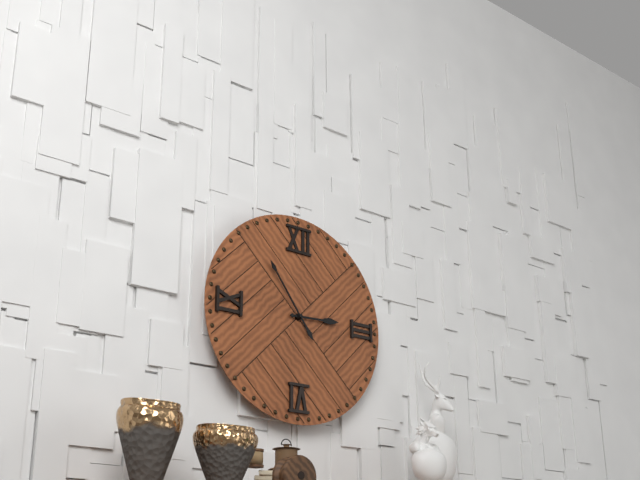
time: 2:54
